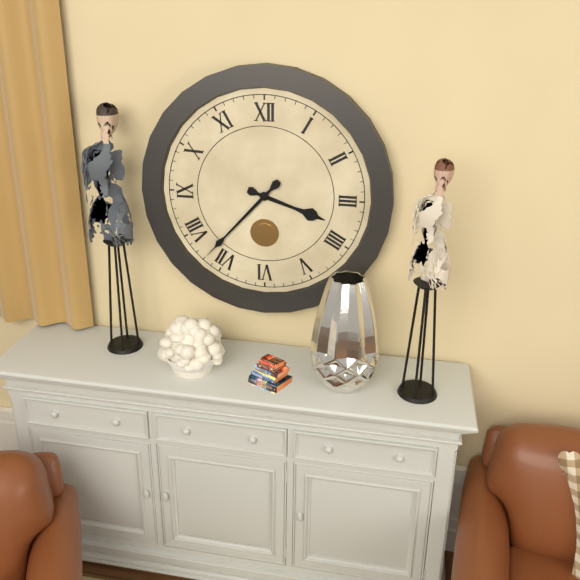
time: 3:37
